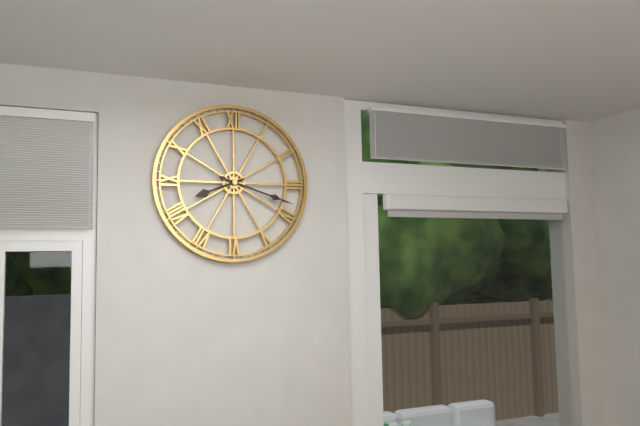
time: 8:18
